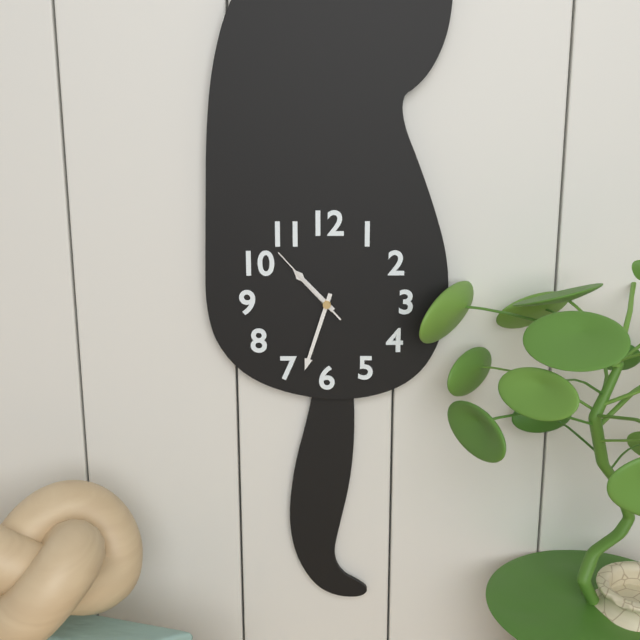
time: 10:33:53
